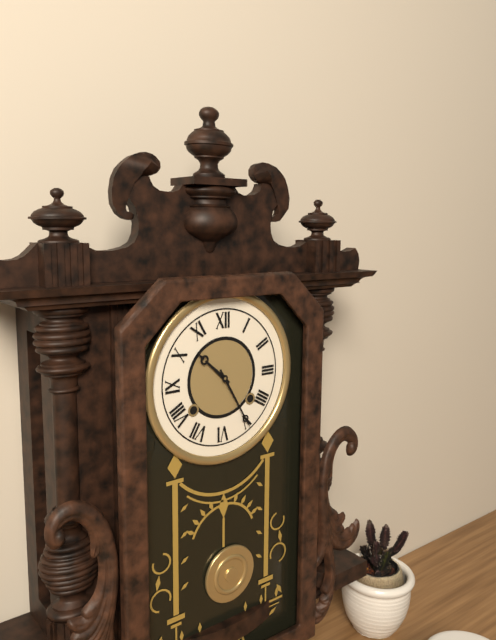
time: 10:25
